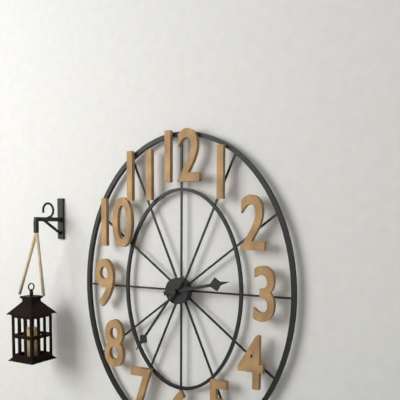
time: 2:36
